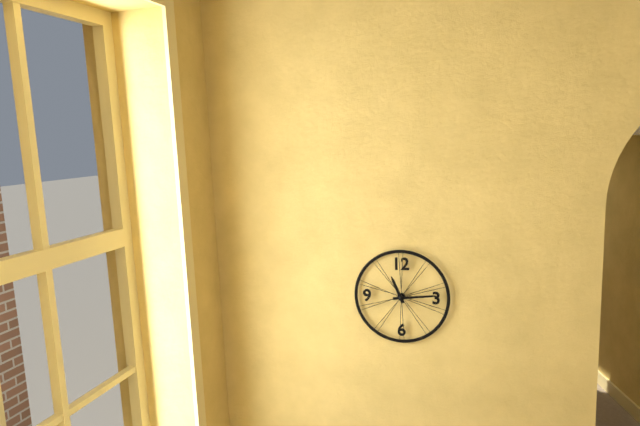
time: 11:14
